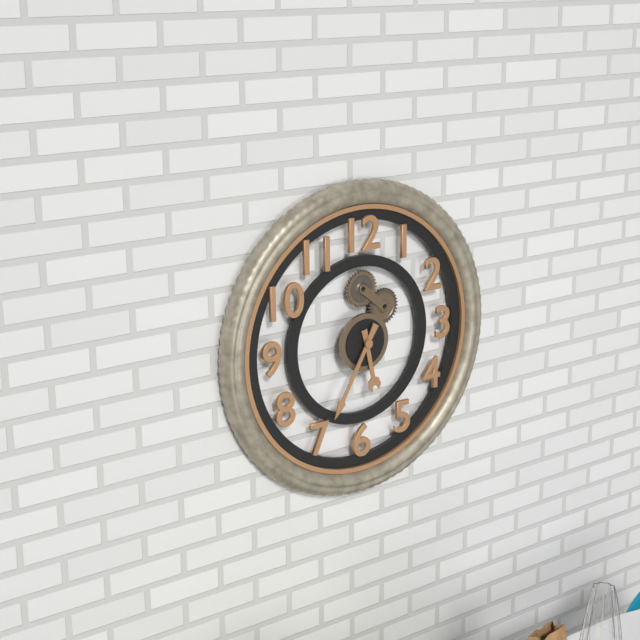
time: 5:35
